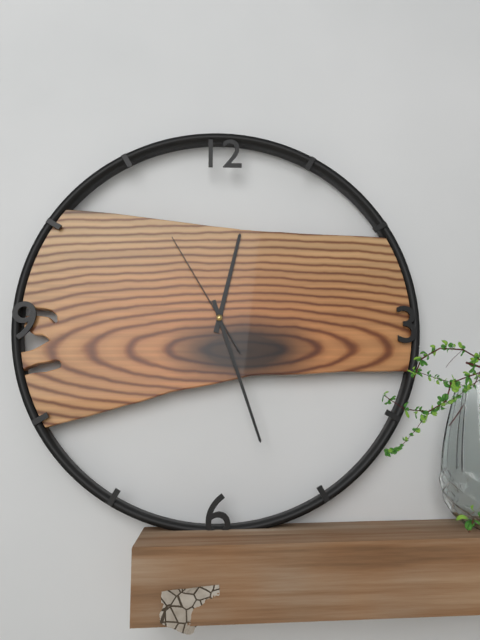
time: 12:27:55
